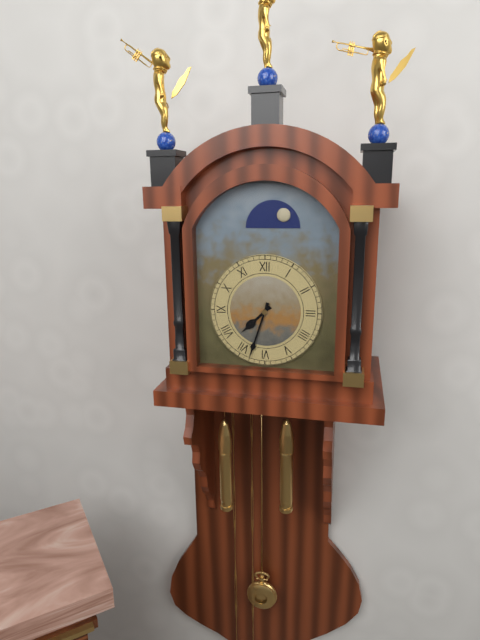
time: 7:33
